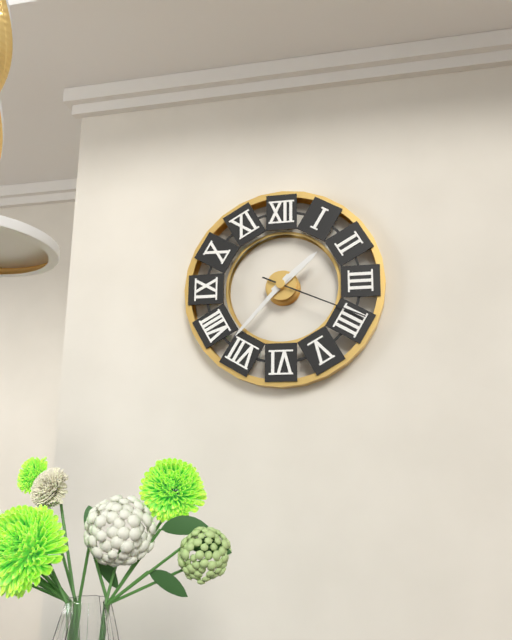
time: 1:37:19
